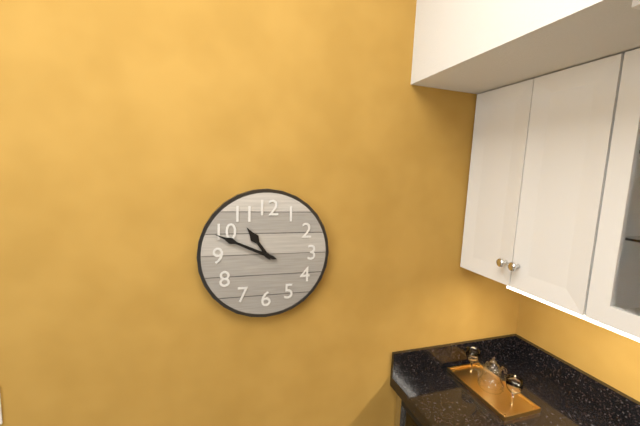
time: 10:49
